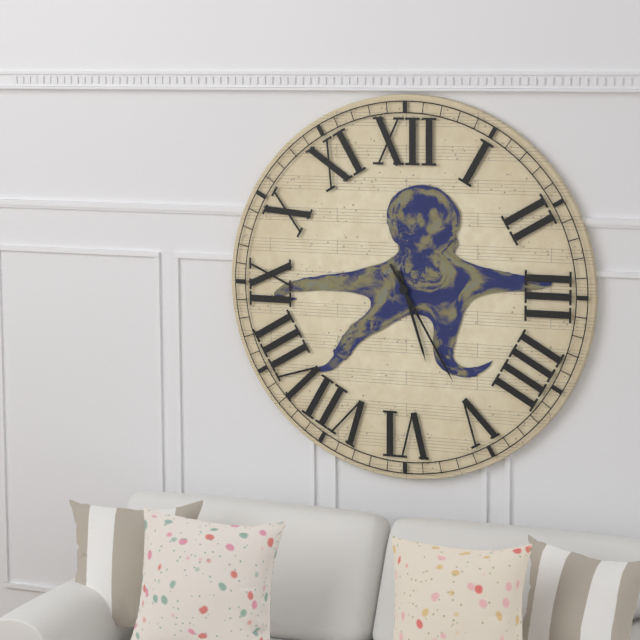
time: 5:25
